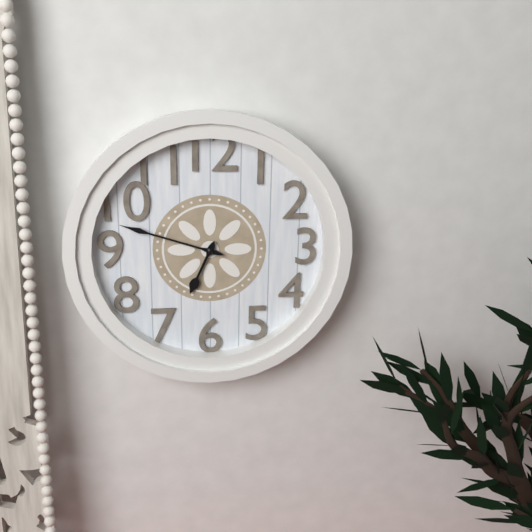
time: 6:48
